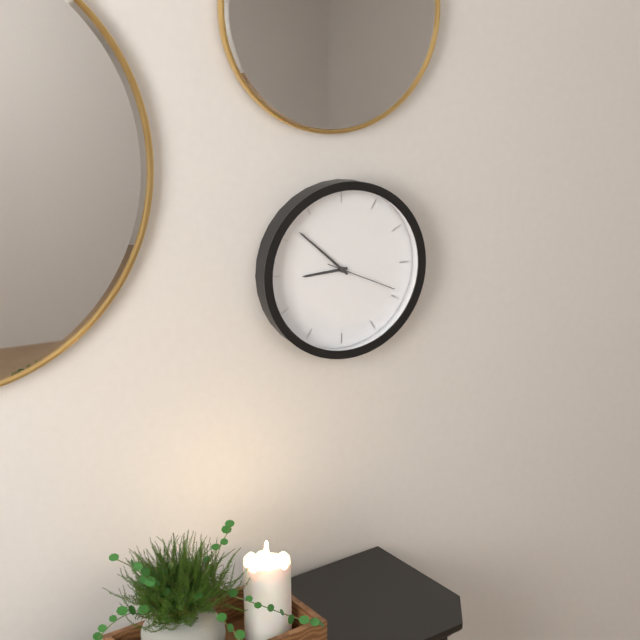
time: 8:52:19
